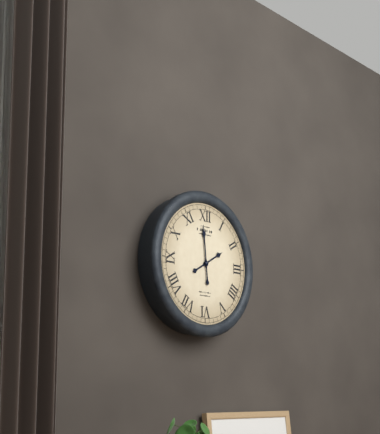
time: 1:59
